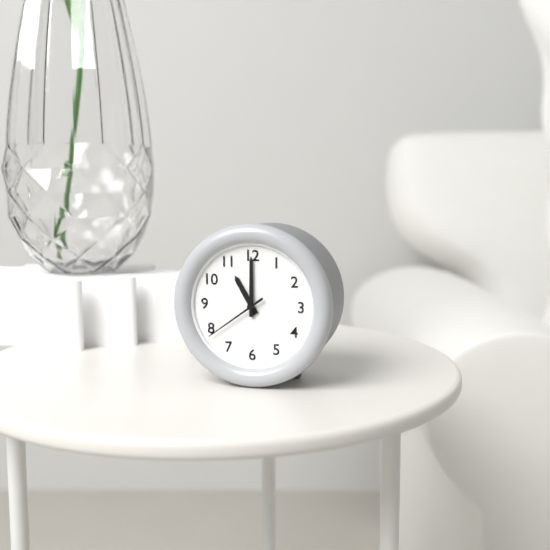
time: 11:00:39
